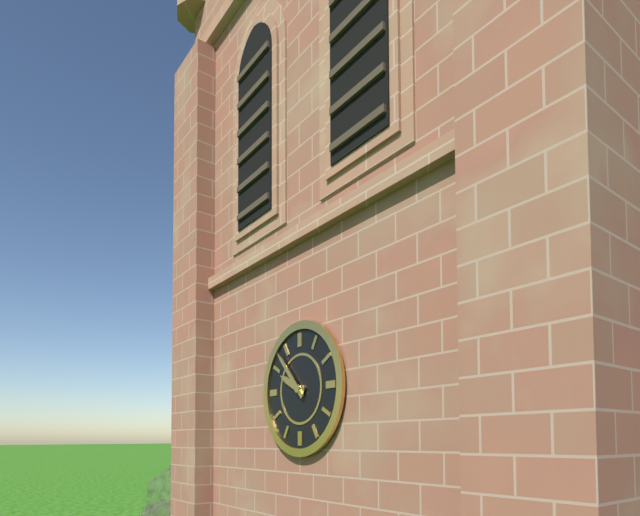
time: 9:53
